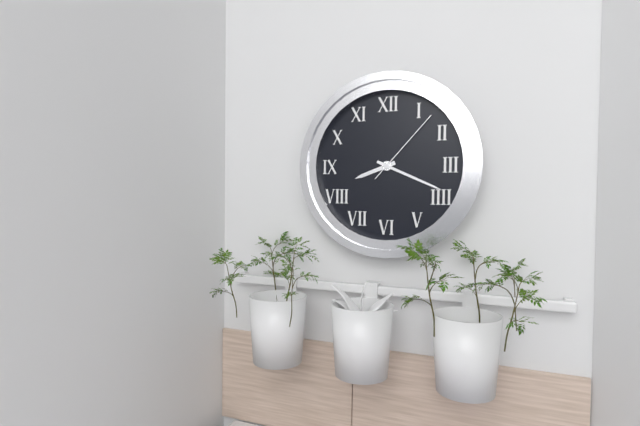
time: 8:19:07
